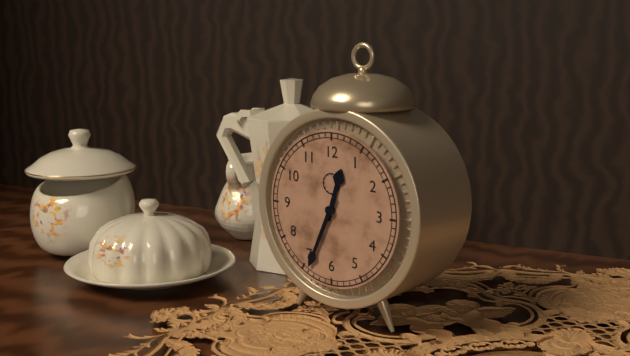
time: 12:34
